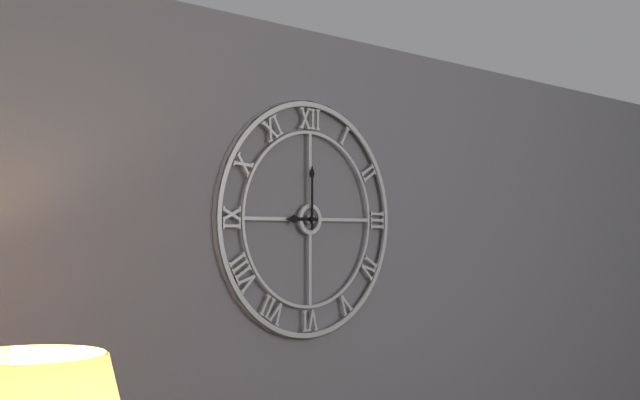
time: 9:00
